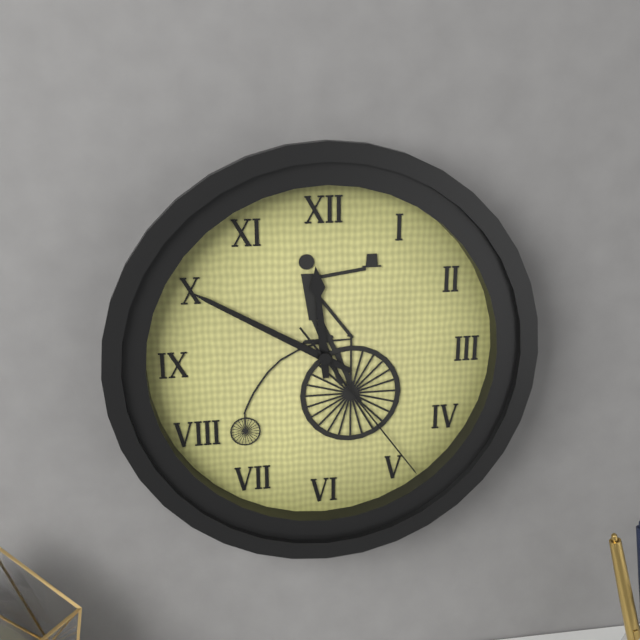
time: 11:50:24
